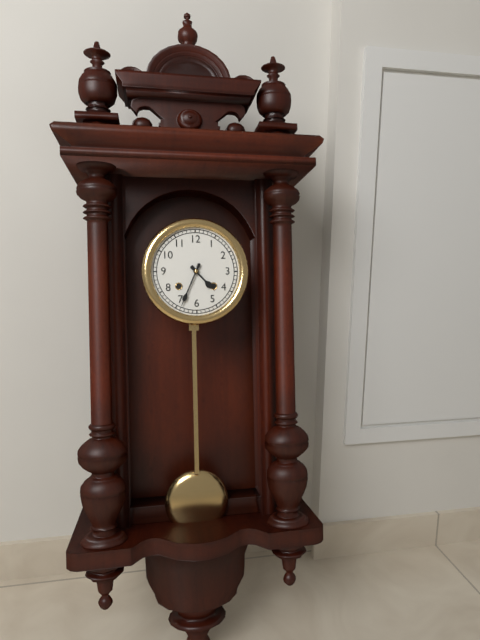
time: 4:34
